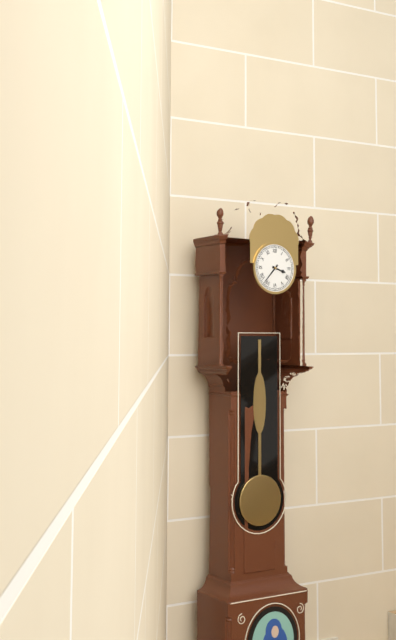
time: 3:37
